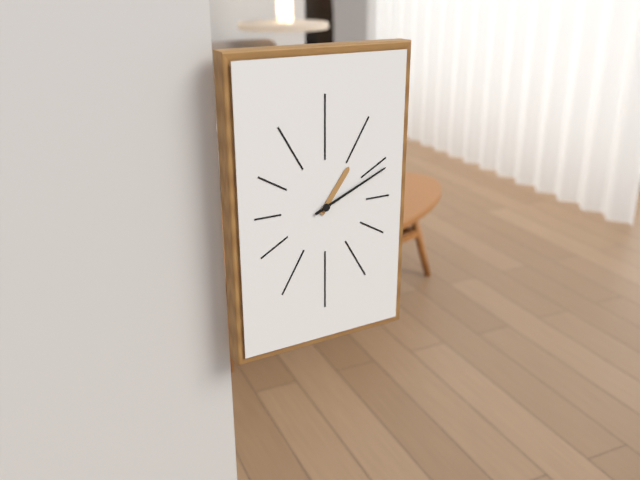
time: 1:11
